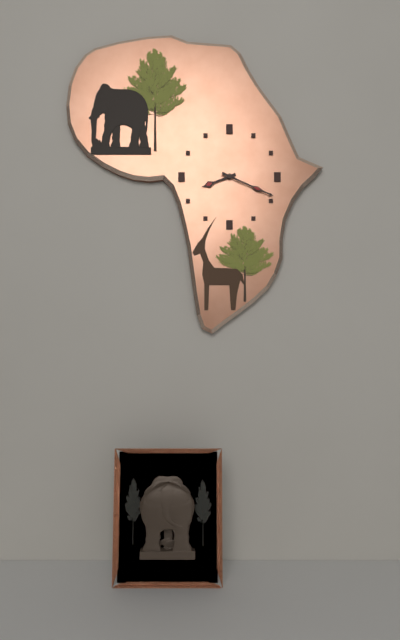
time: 8:19
